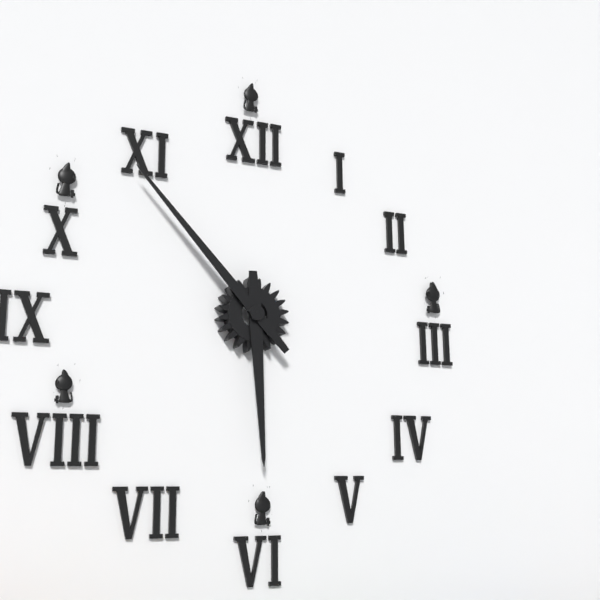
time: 5:53
